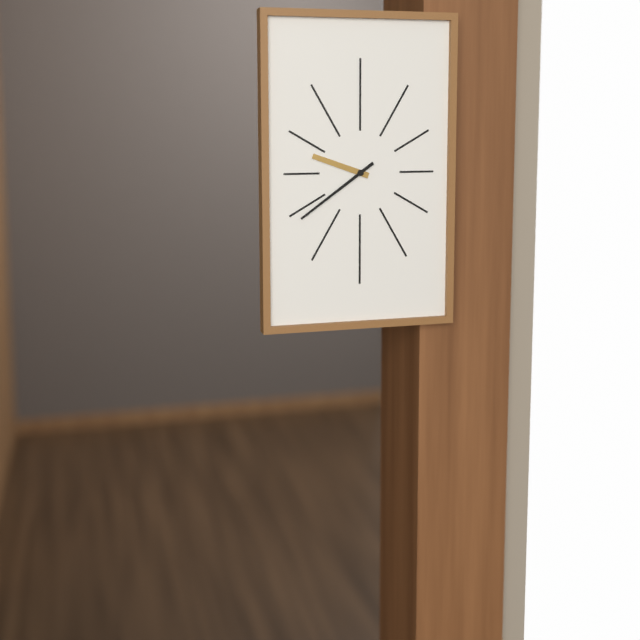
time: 9:39
